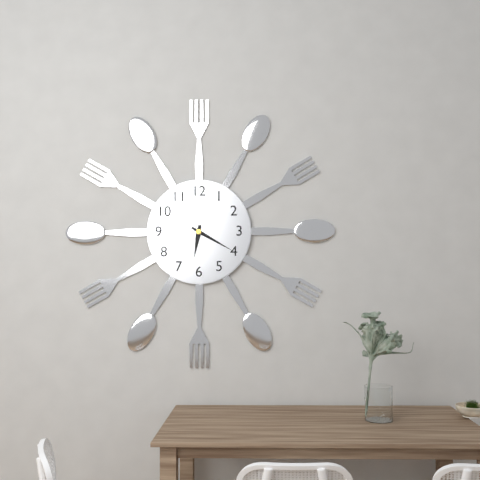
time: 6:20
